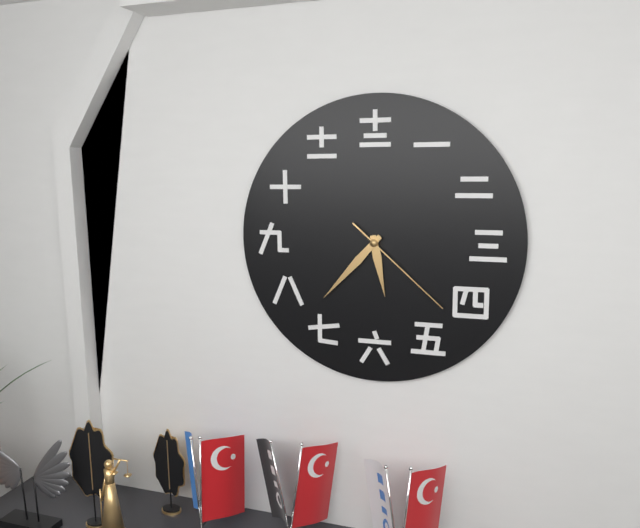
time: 5:37:22
